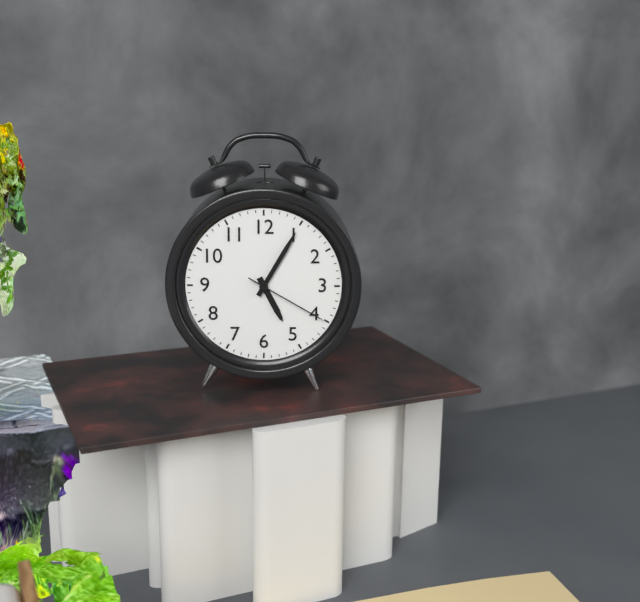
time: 5:05:20
